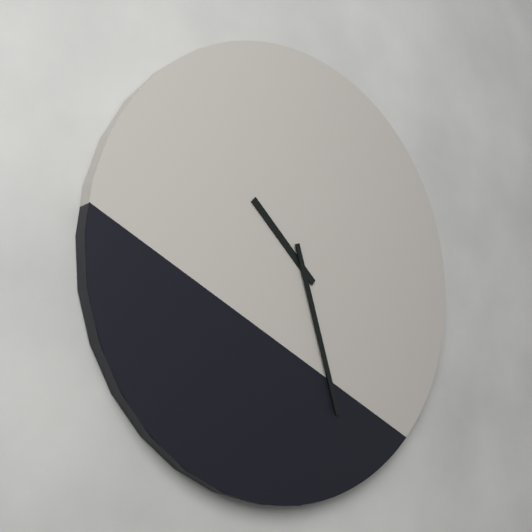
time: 10:27
